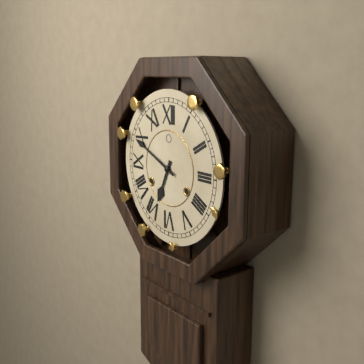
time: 6:49
